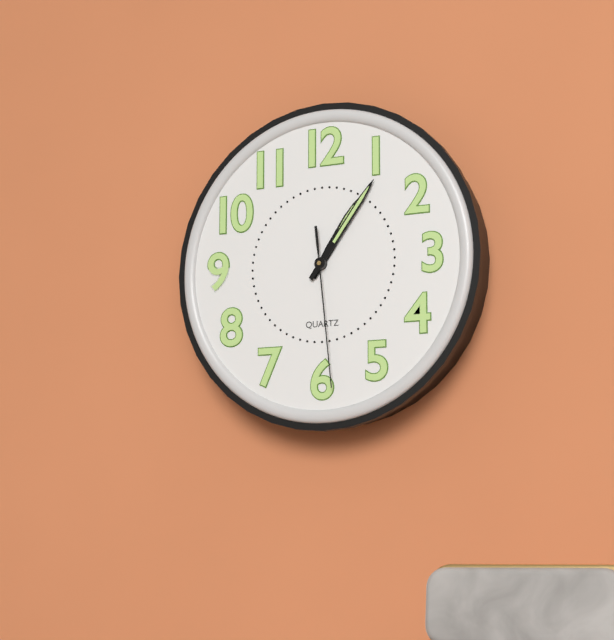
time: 1:06:29
